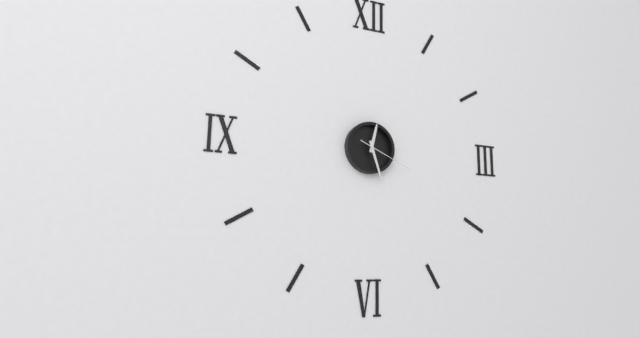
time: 12:27:19
